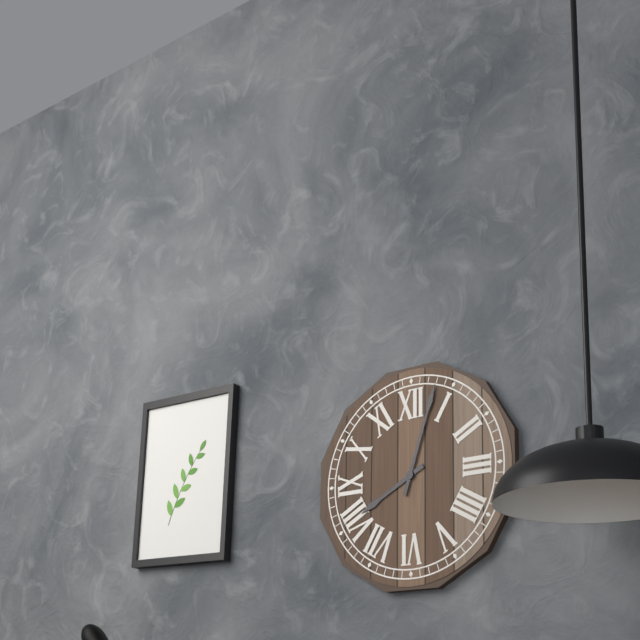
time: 8:03
